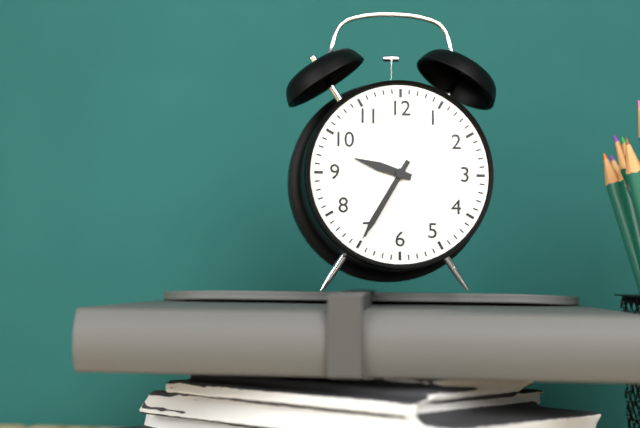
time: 9:35
